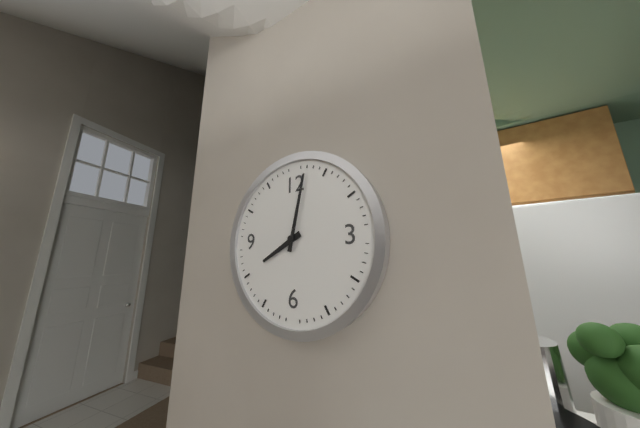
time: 8:02
